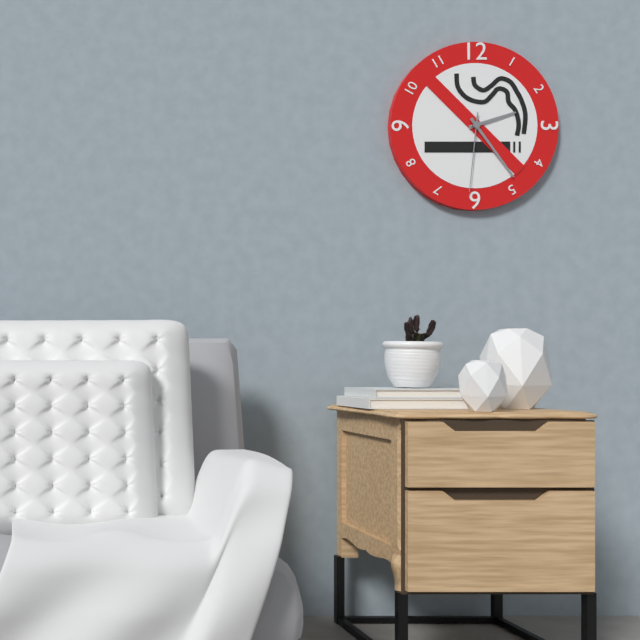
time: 2:24:31
